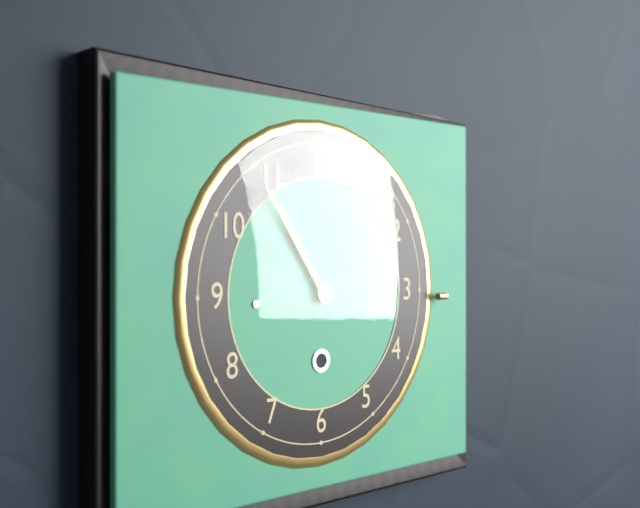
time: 10:54
